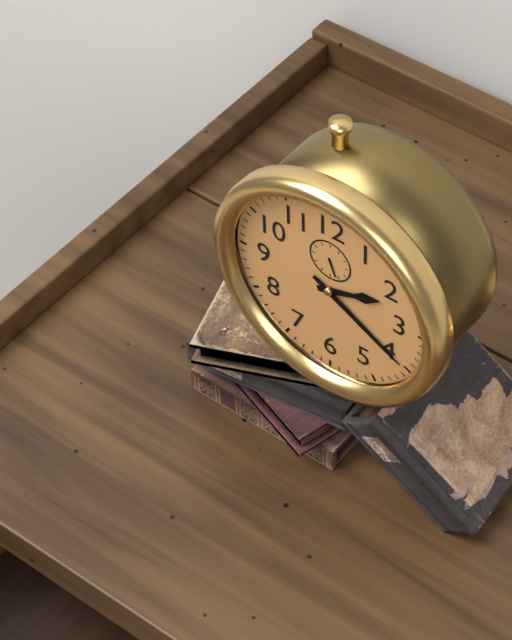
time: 2:20
